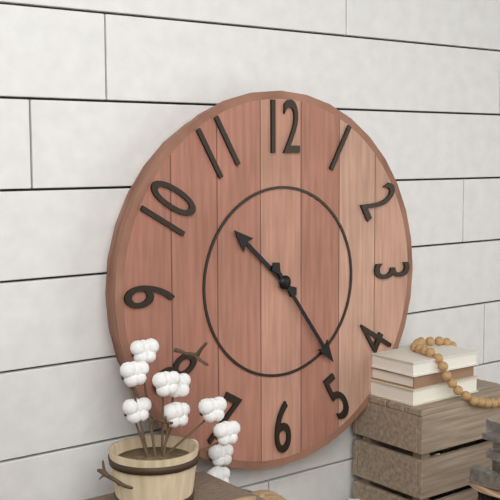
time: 10:24
